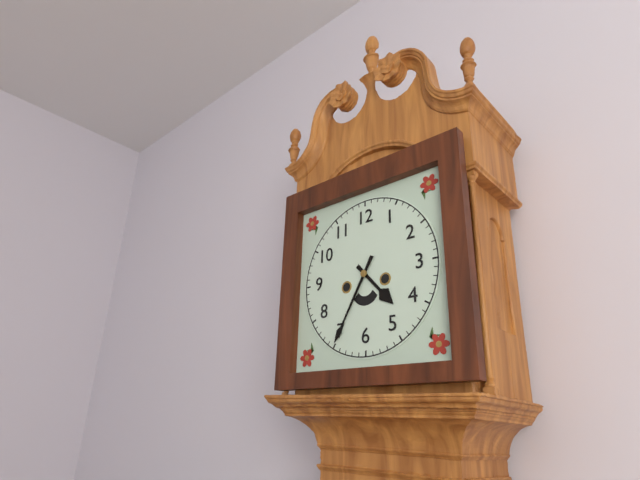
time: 4:35
